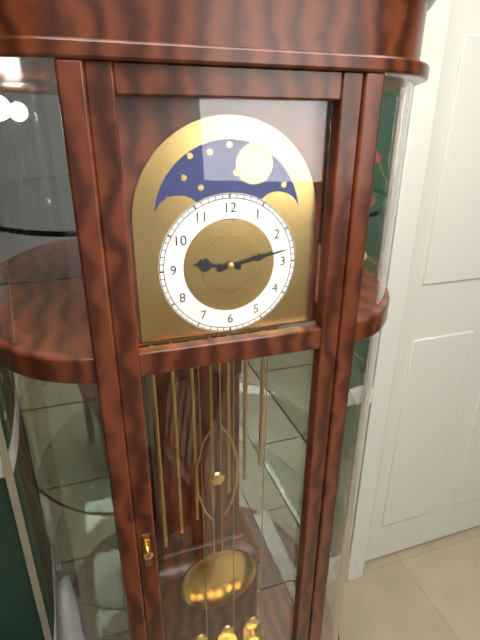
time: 9:13
